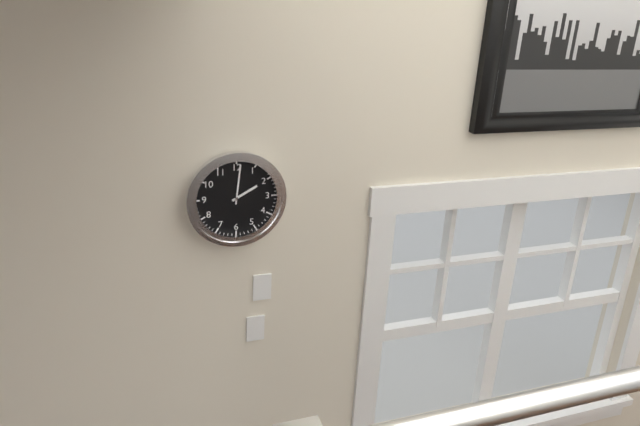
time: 2:01
